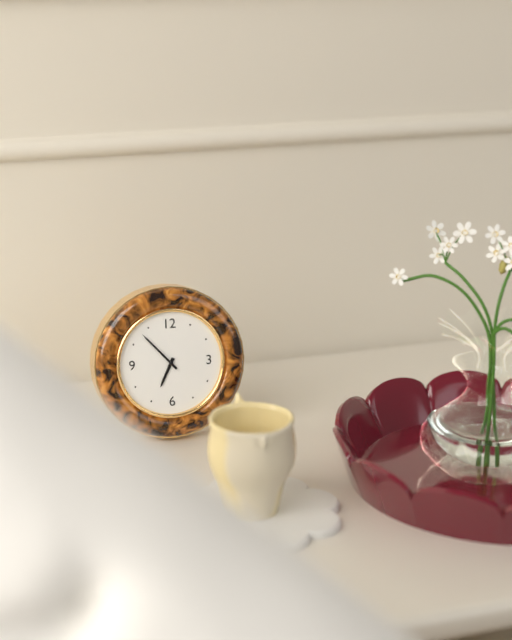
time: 6:53
